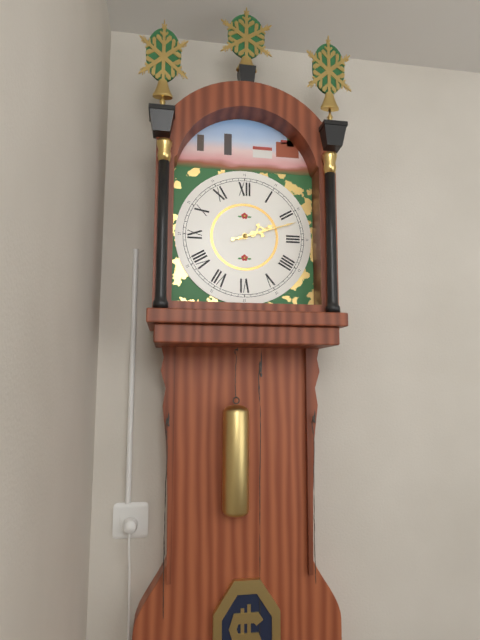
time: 2:12
